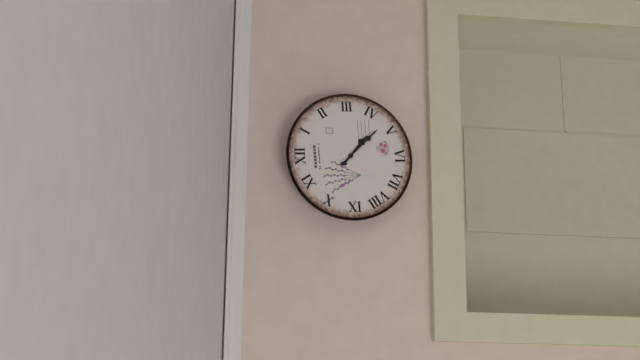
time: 4:23
